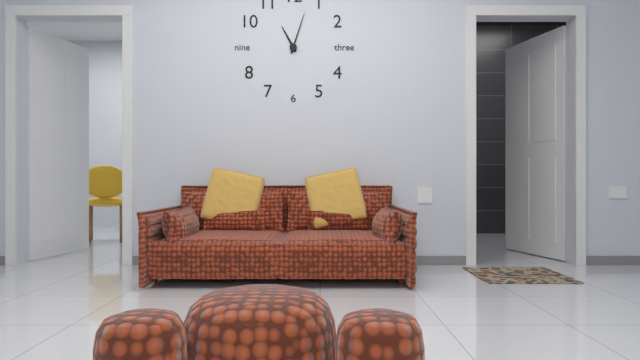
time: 11:03
